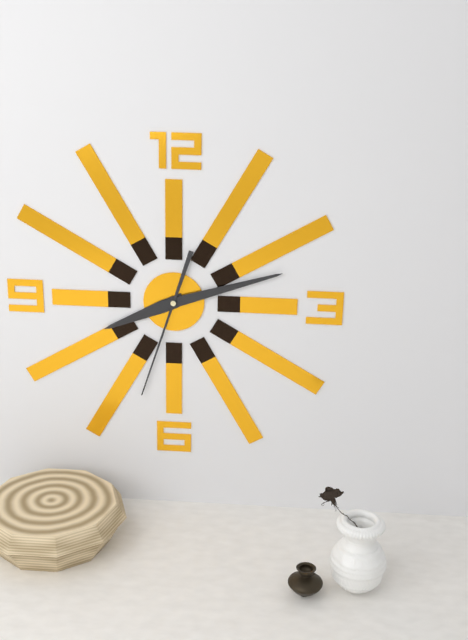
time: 8:12:33
